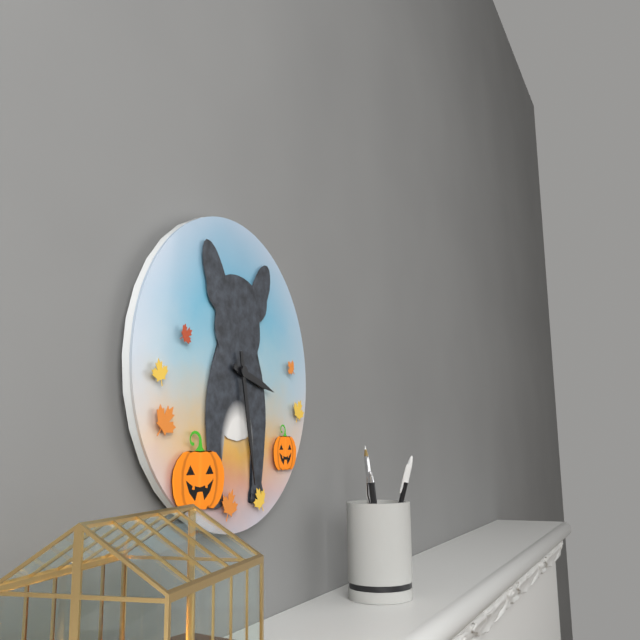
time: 3:28
